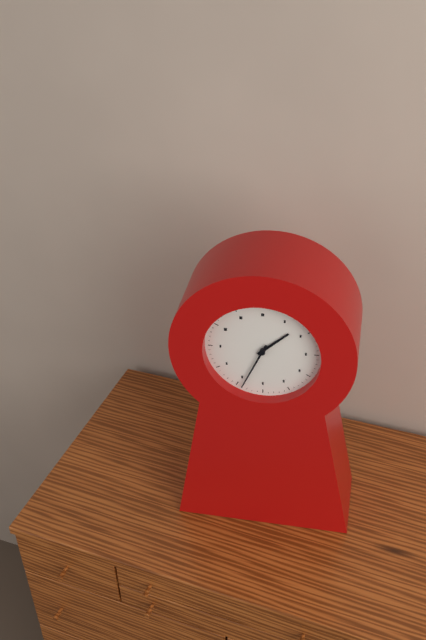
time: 1:34
